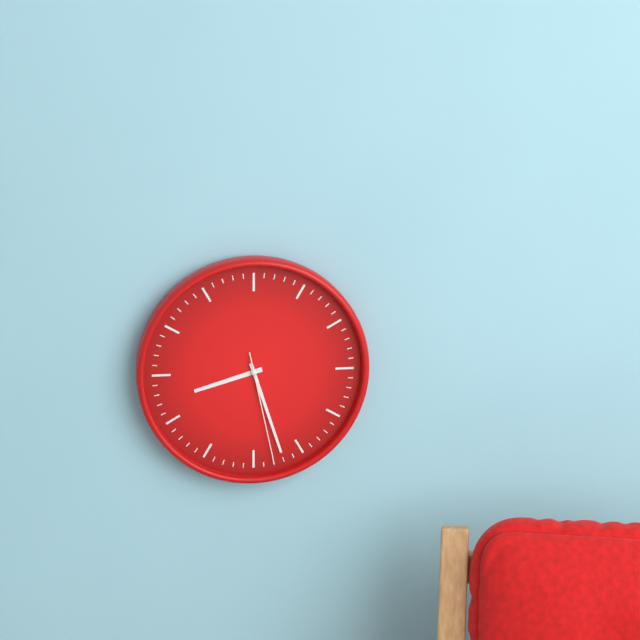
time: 8:27:28
